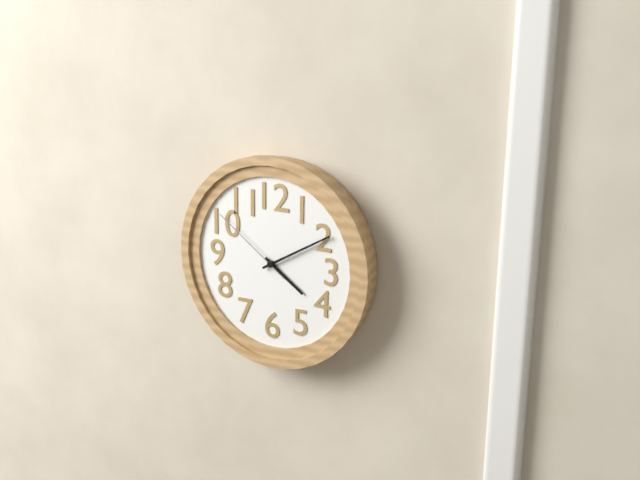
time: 4:10:51
